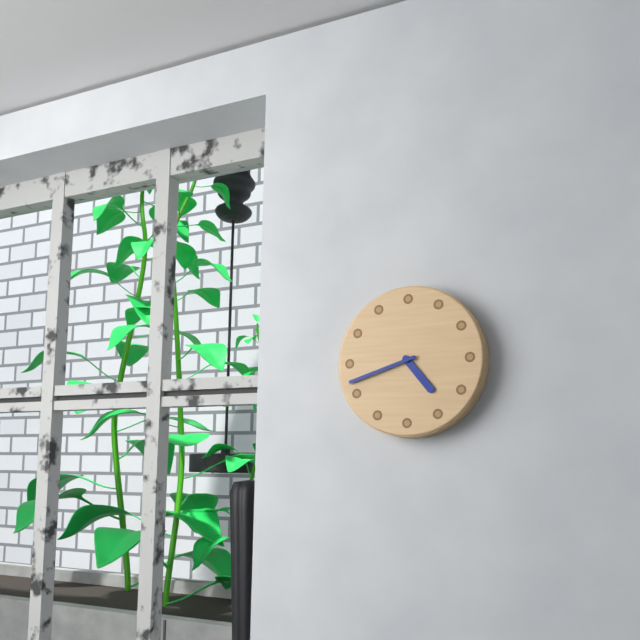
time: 4:42
